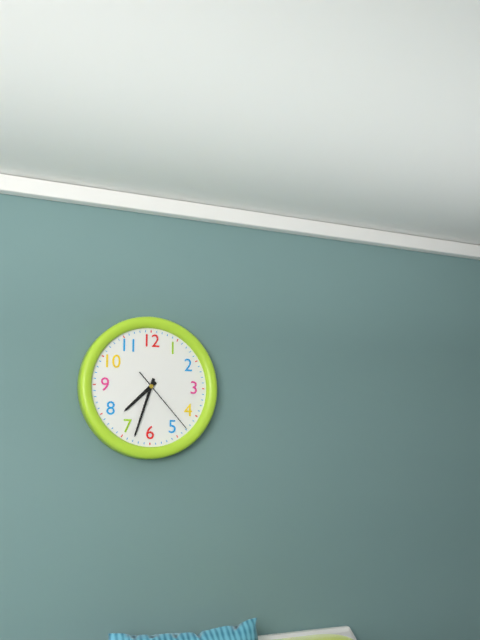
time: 7:33:23
